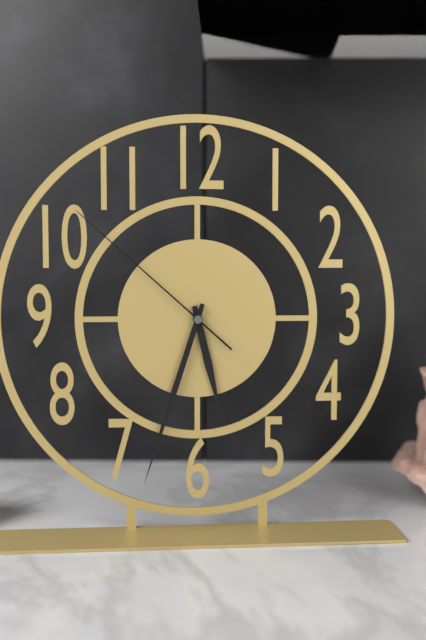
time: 5:33:52
